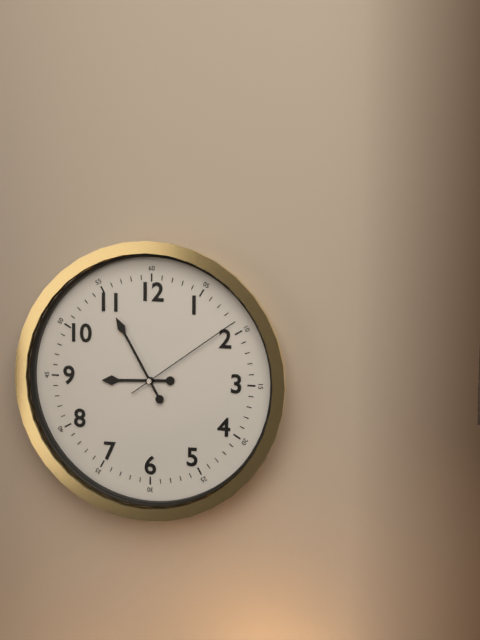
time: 8:55:09
